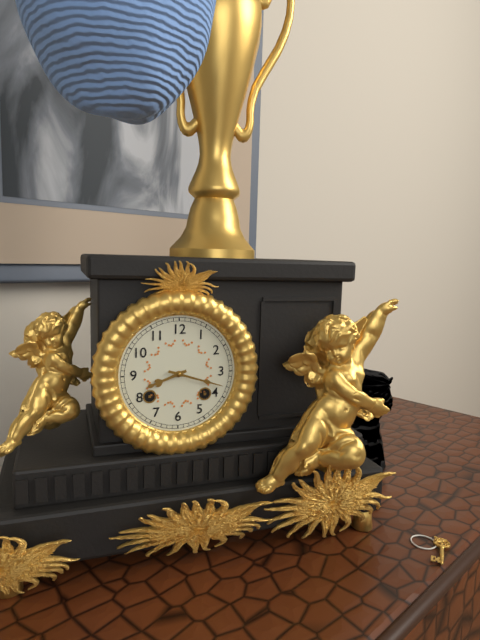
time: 8:18
